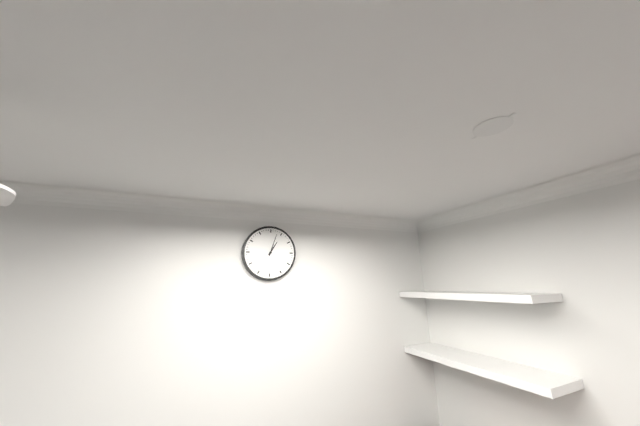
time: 1:03
